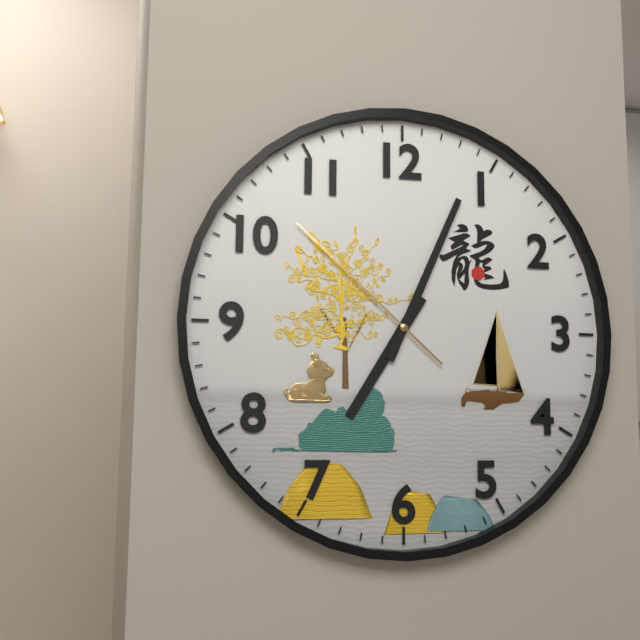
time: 7:04:52
